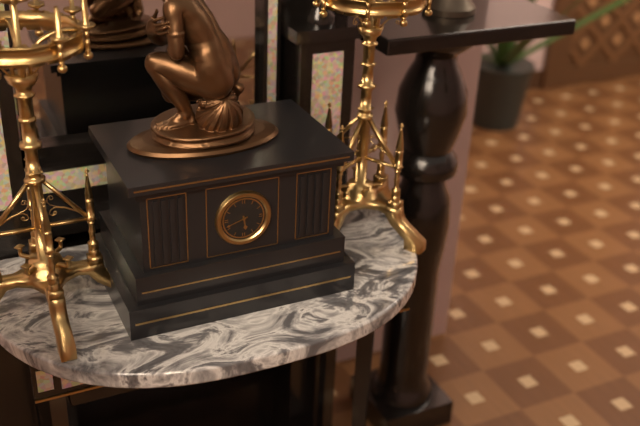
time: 5:42
